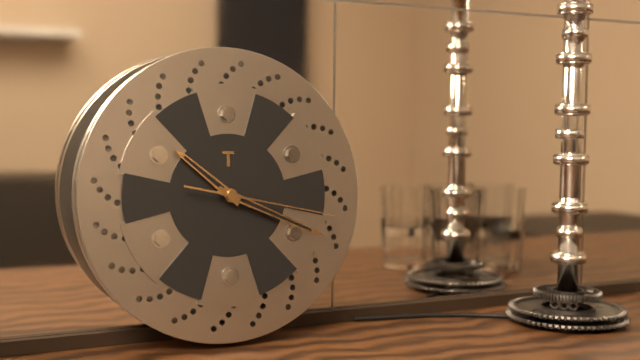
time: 10:19:17
